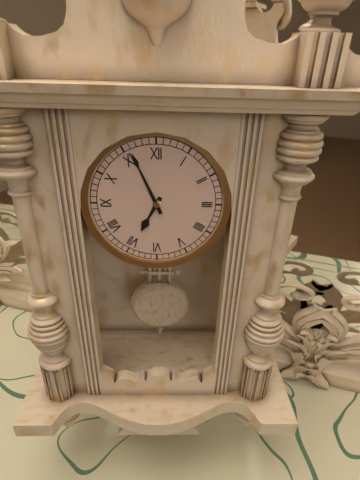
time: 6:56
